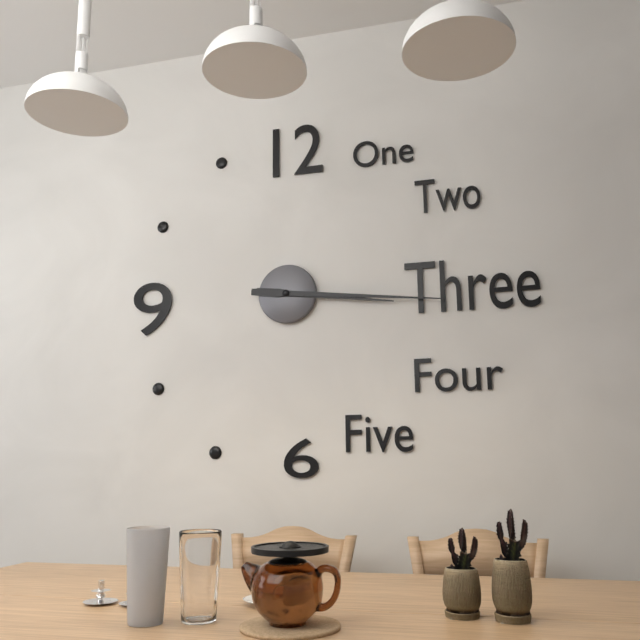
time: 3:16
